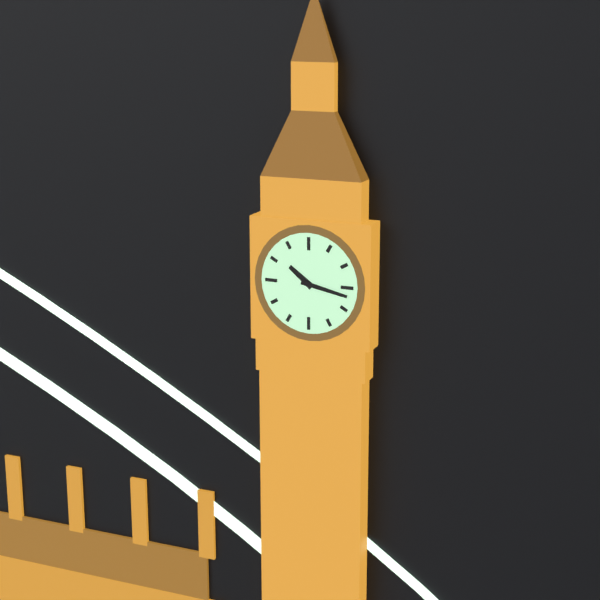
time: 10:17
